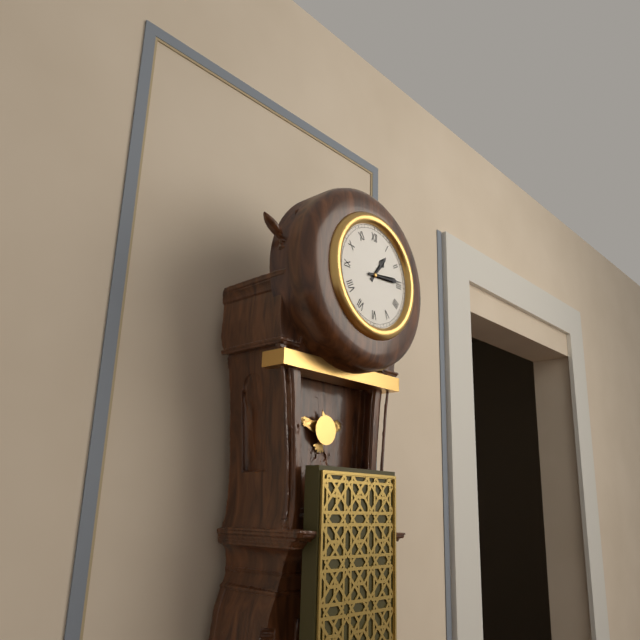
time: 1:14
